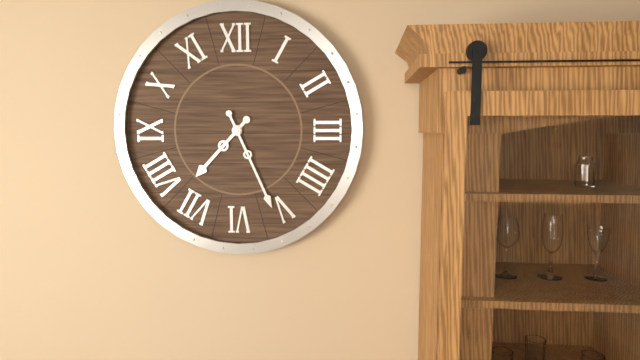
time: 7:26
